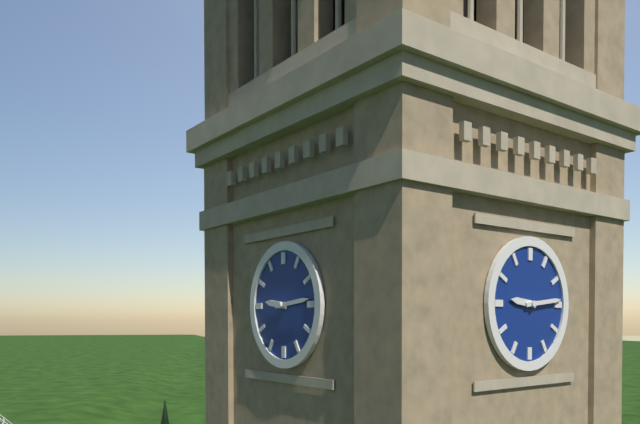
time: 9:14
